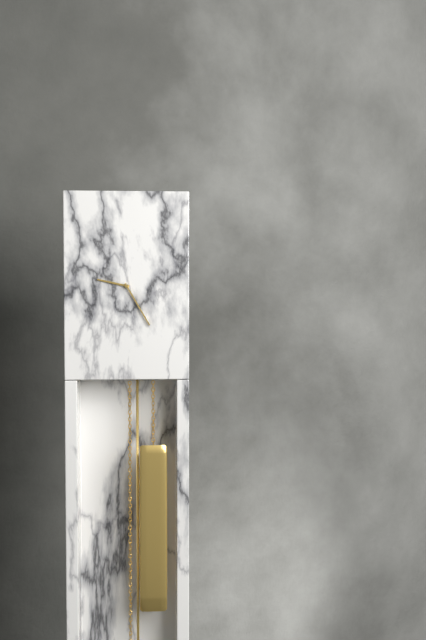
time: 9:25
